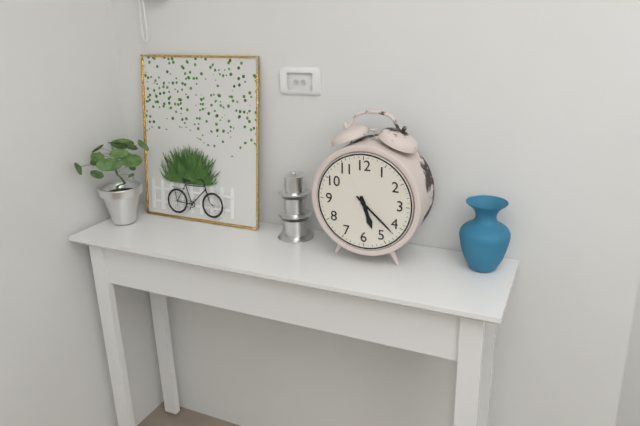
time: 5:22
